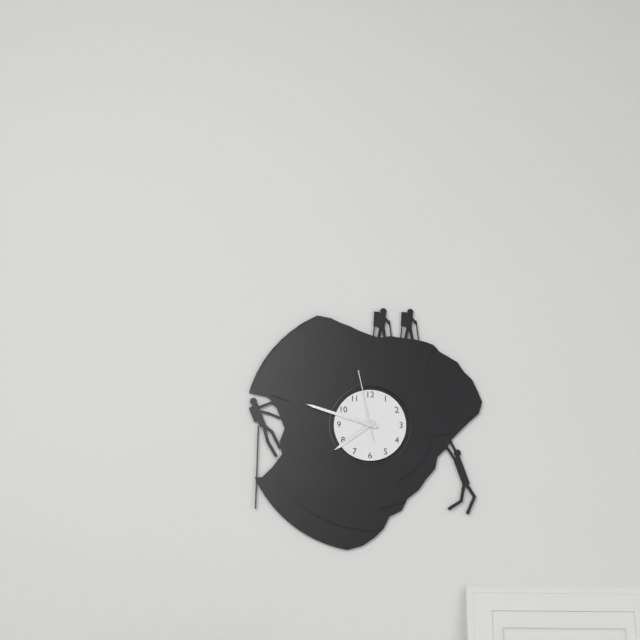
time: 7:48:58
